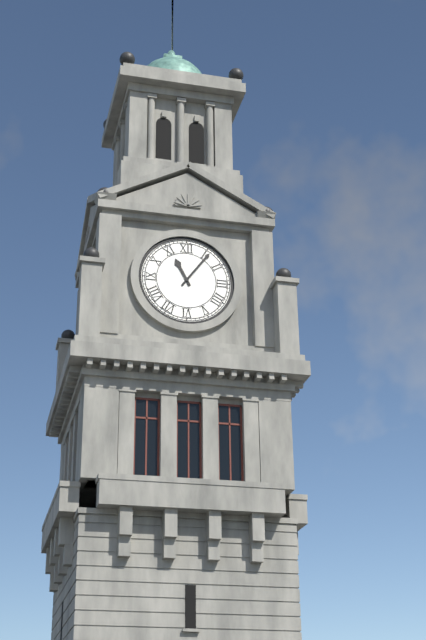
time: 11:06
